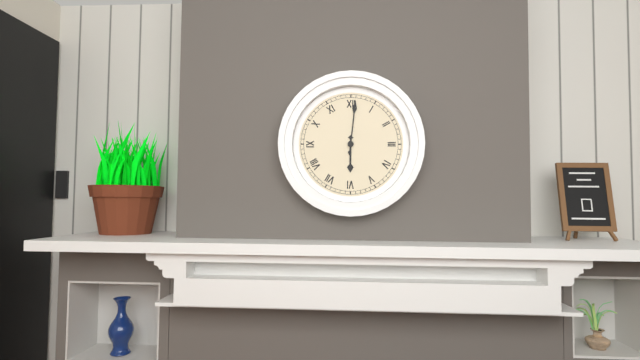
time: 6:01
